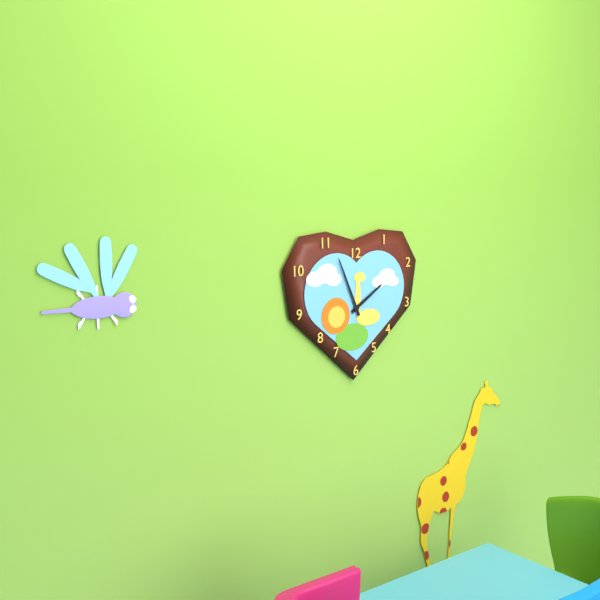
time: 1:56
